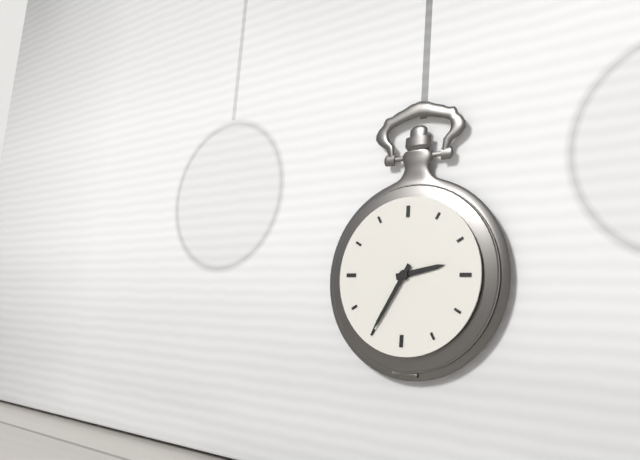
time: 2:35
